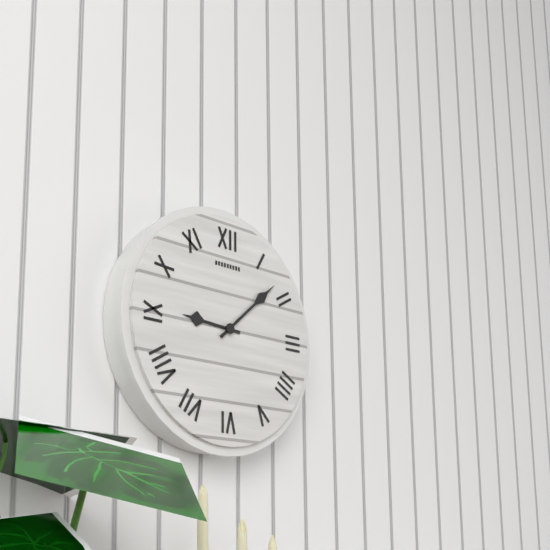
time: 9:08
